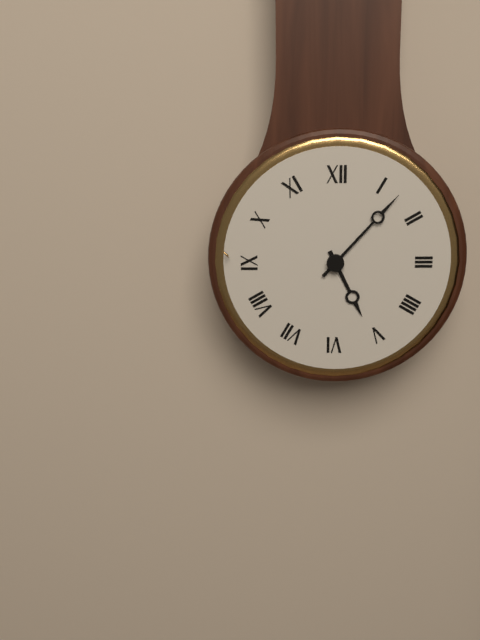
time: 5:07
